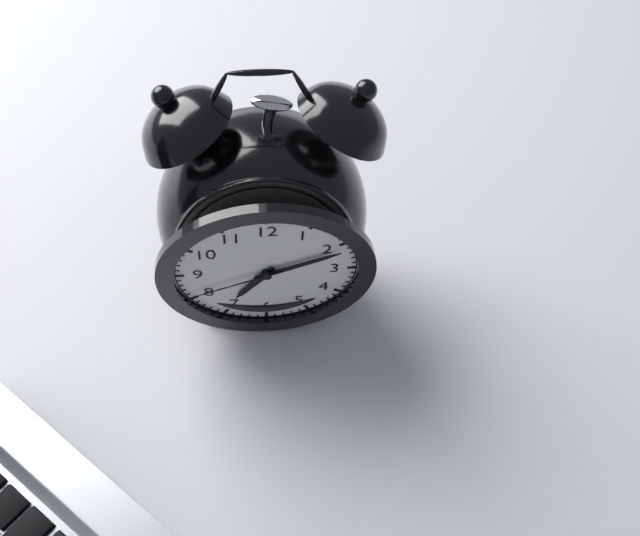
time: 7:11:41
